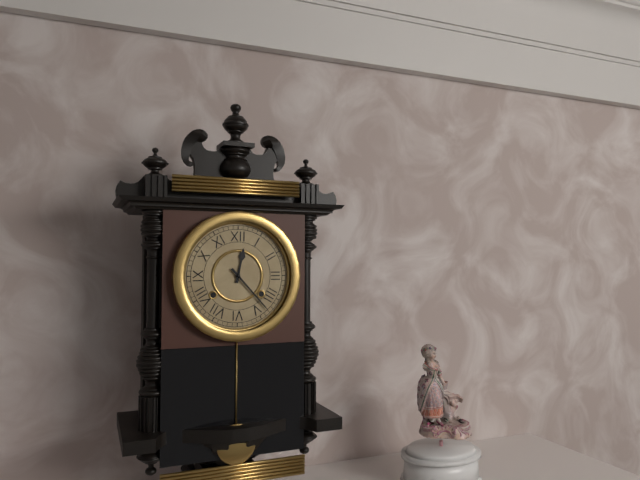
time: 12:23
